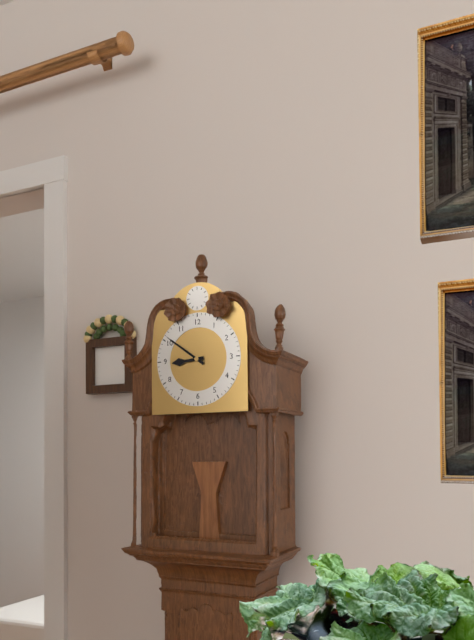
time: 8:51
